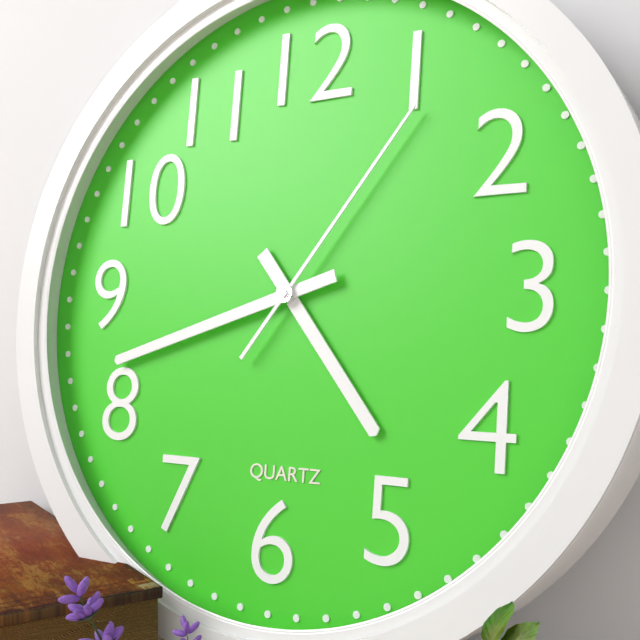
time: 4:42:06
